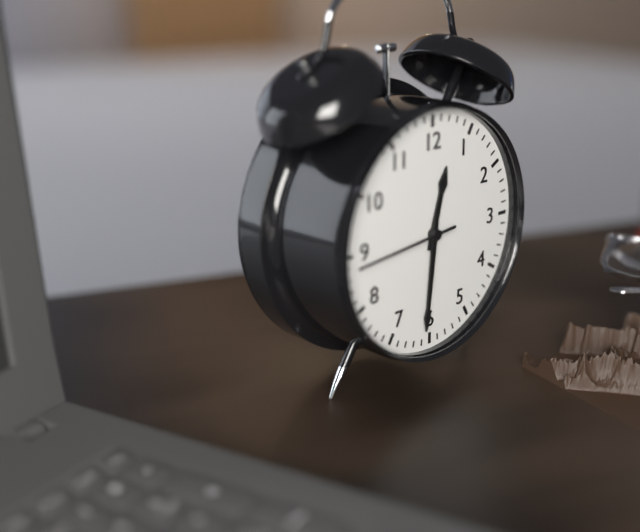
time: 12:31:44
